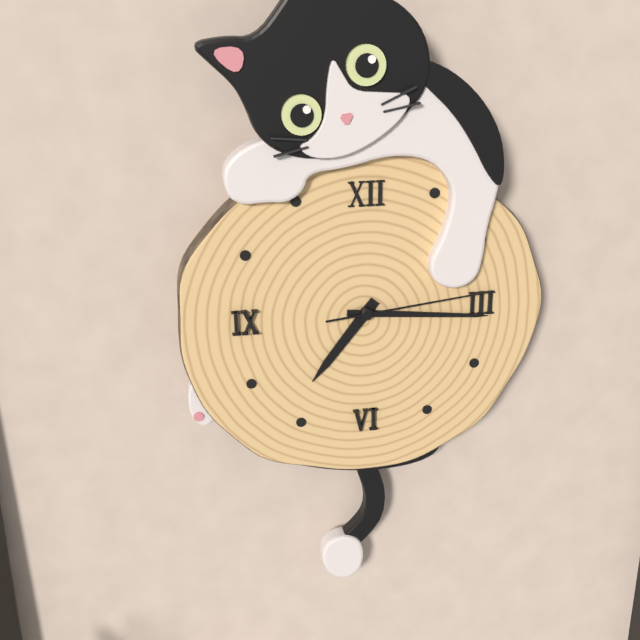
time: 7:16:14
